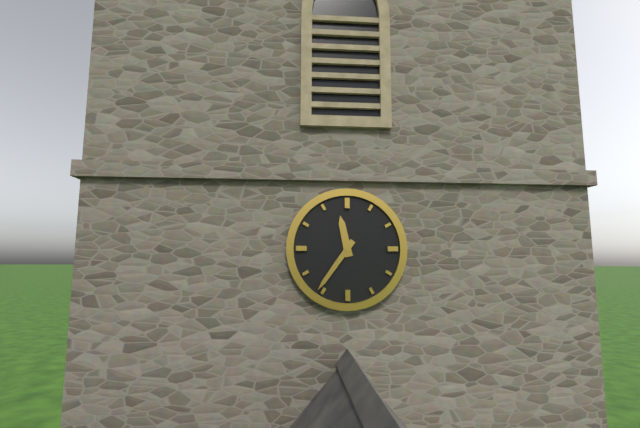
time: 11:36
